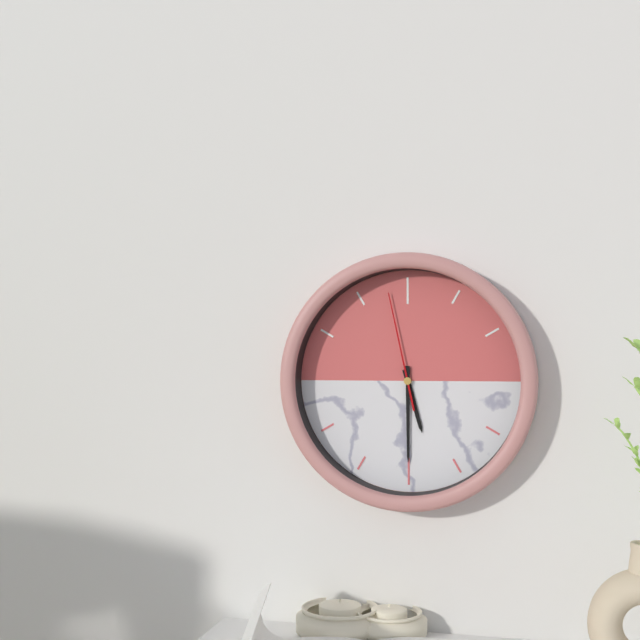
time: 5:30:58
